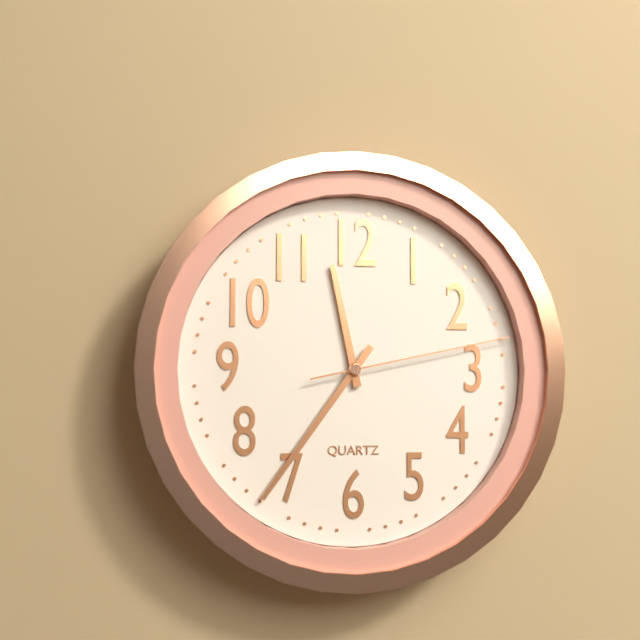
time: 11:36:13
